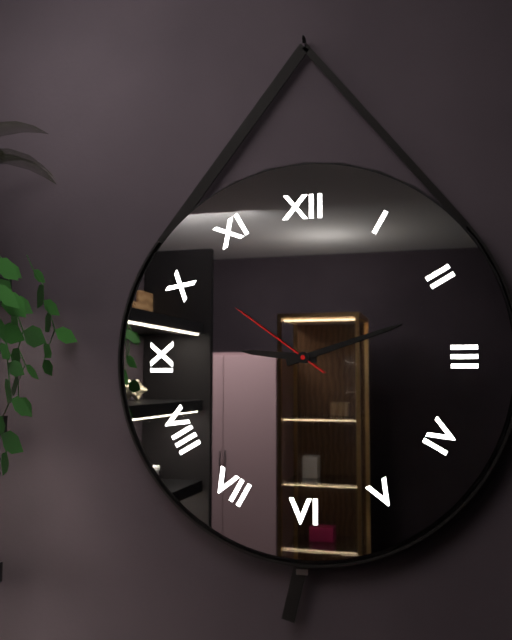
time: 9:12:51
